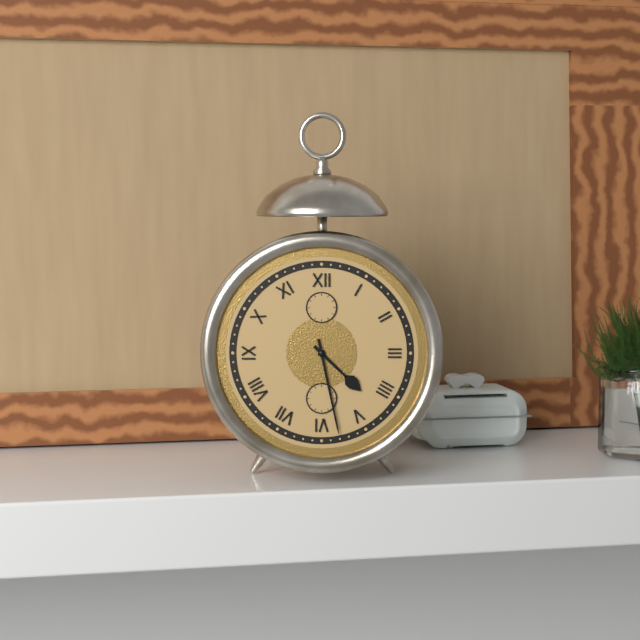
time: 4:28
